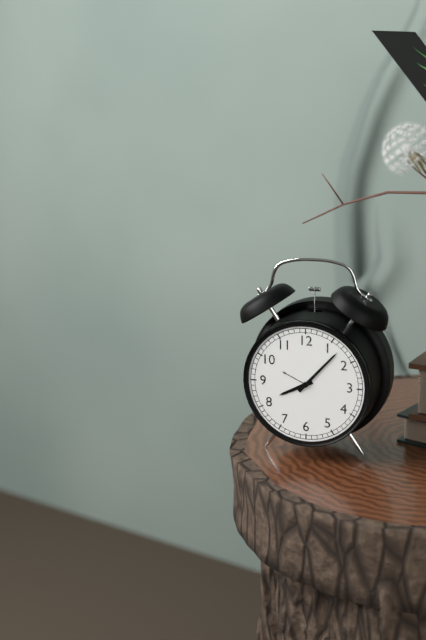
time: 8:07
